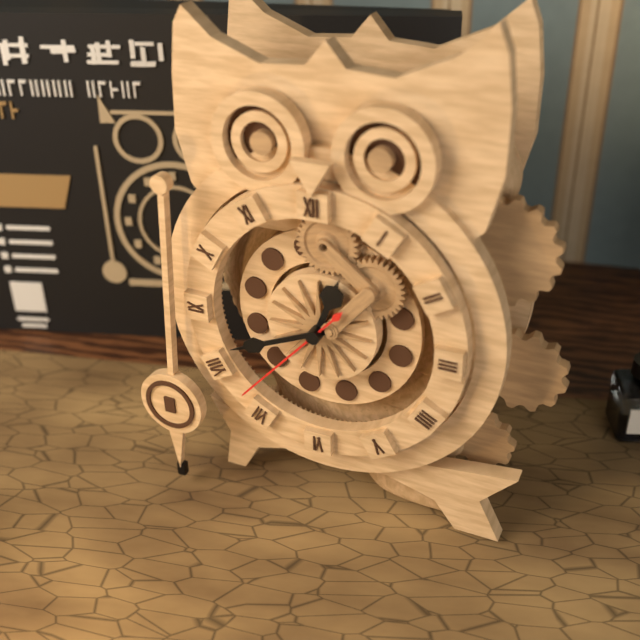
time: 12:41:37
